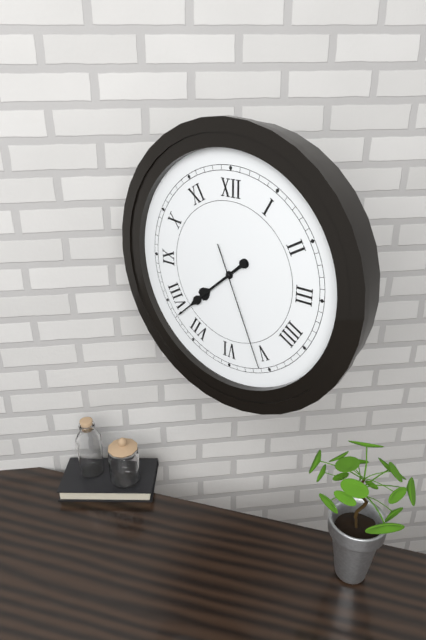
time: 7:38:26
